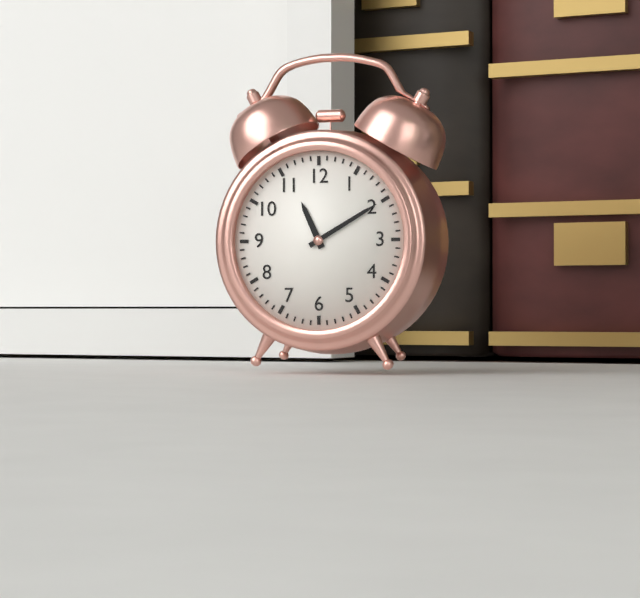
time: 11:10
